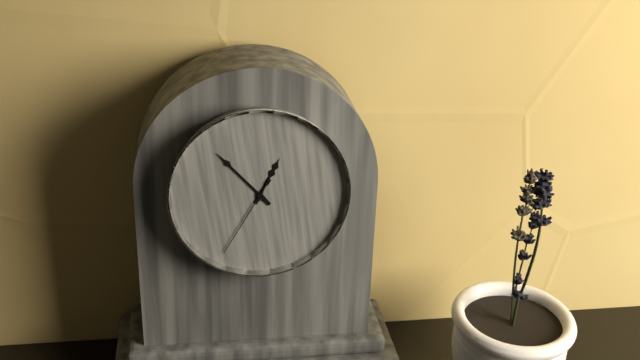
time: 12:53:35
